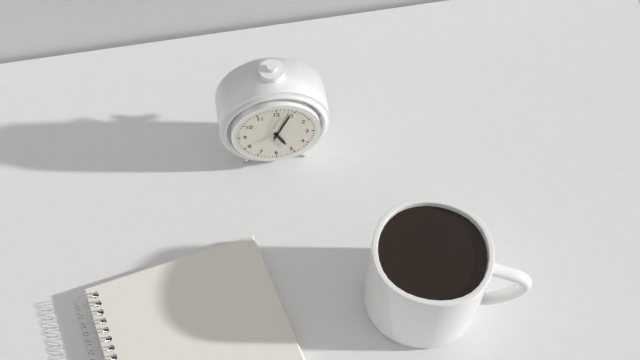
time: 5:04
